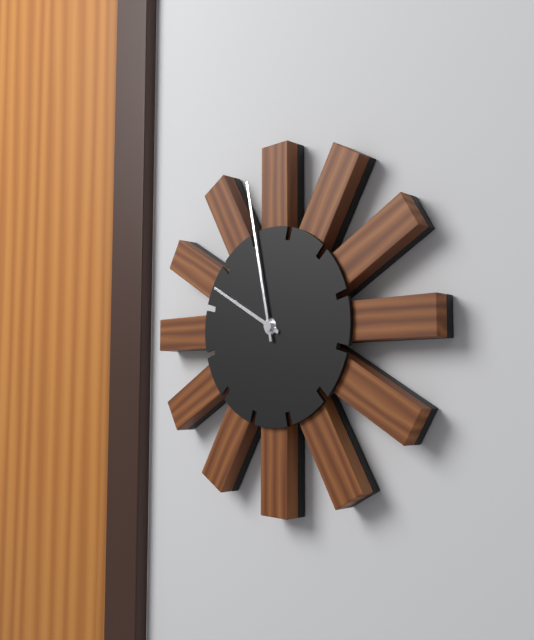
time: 9:58
